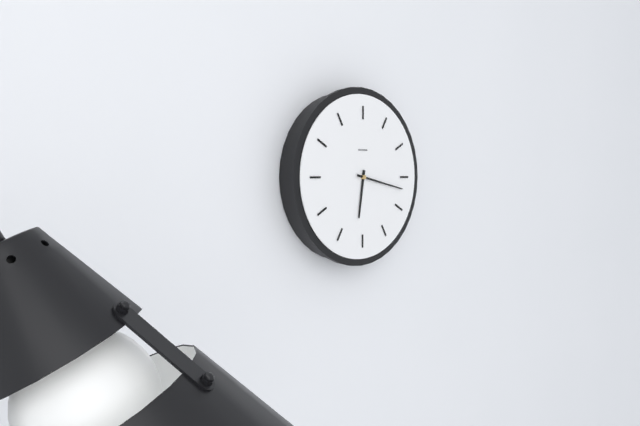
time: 6:17
